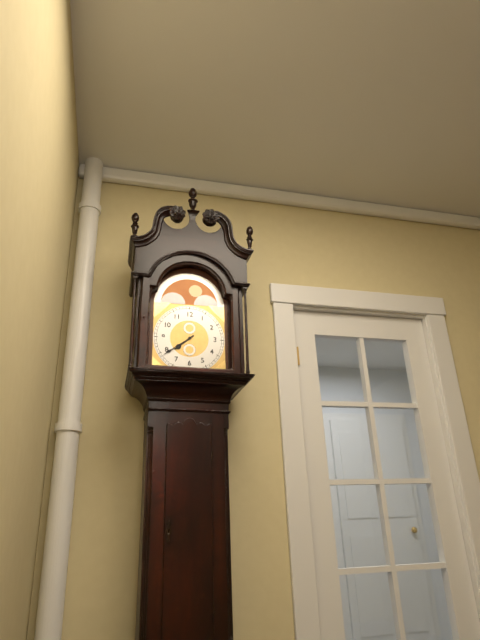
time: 7:39
